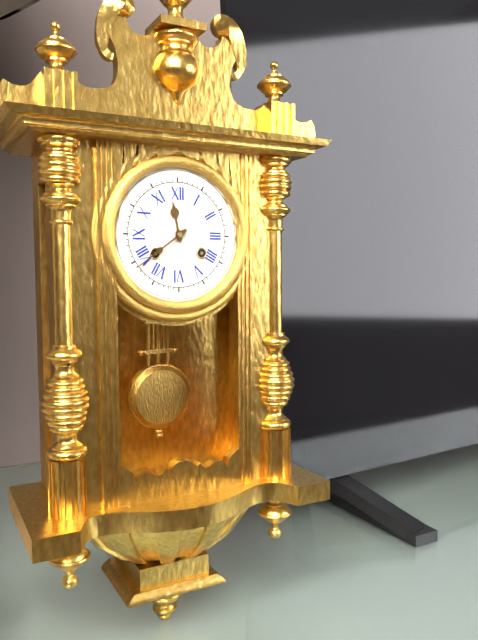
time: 11:39
